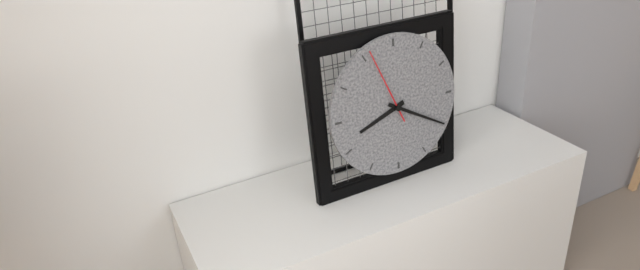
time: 8:20:56
